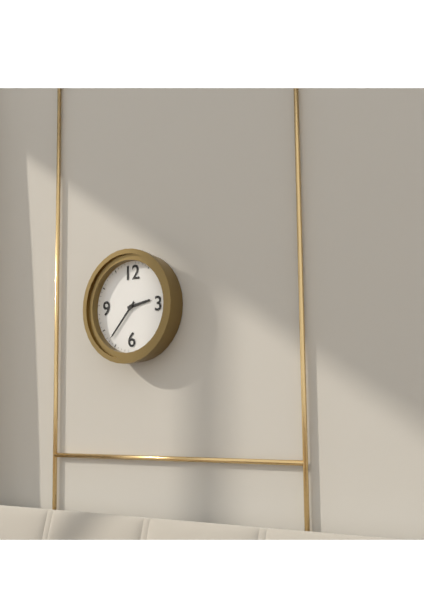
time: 2:37
